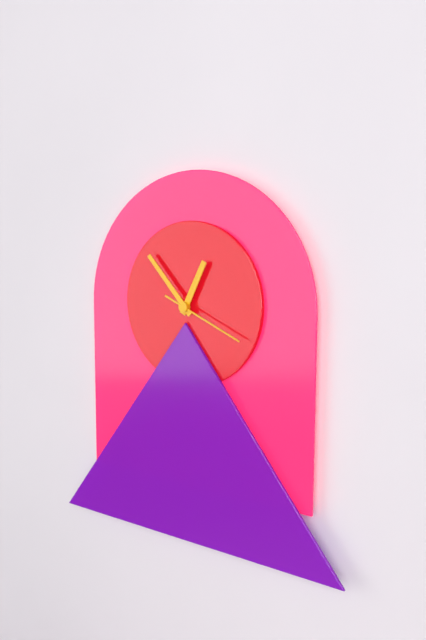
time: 12:53:19
